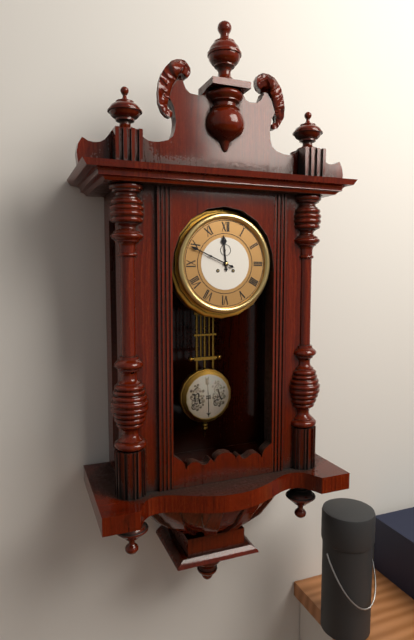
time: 11:49
